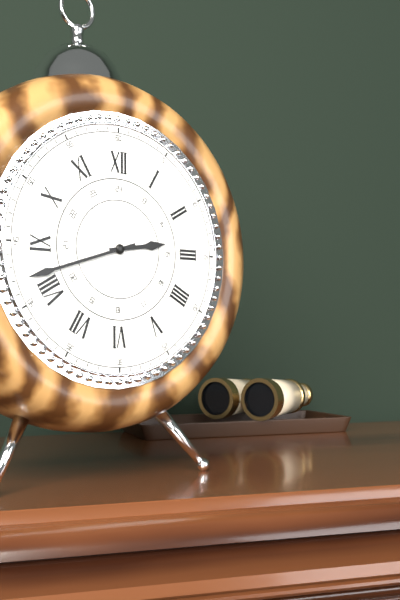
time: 2:42
